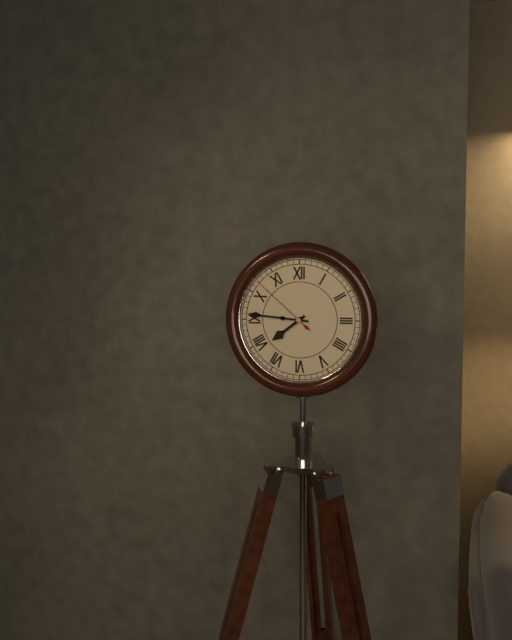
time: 7:46:52
